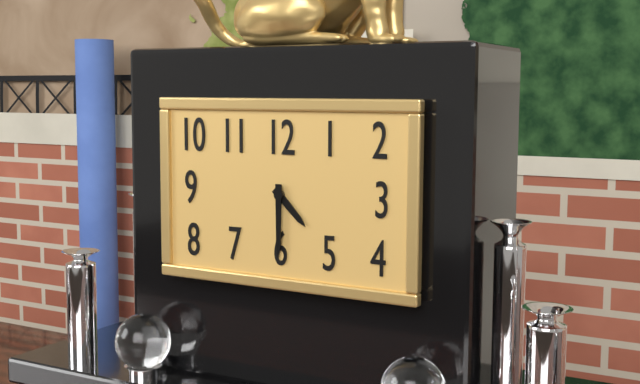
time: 4:30
